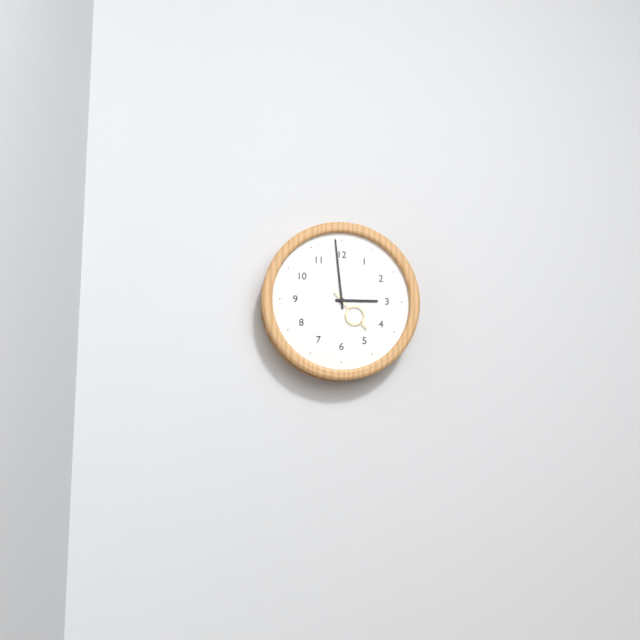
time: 2:59
